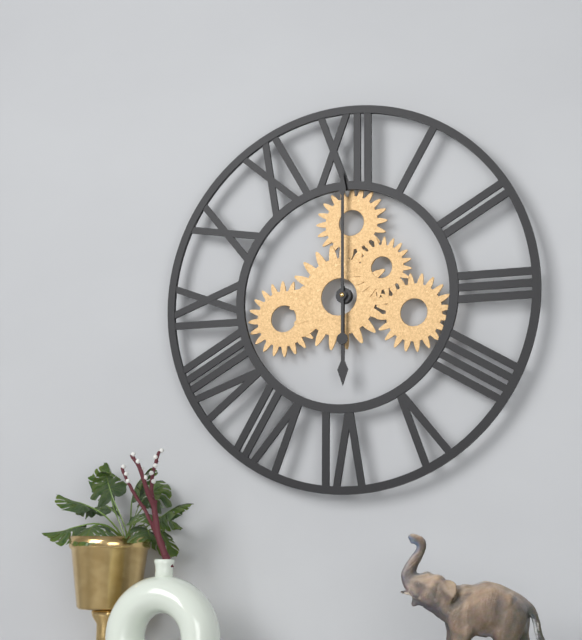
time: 6:00
